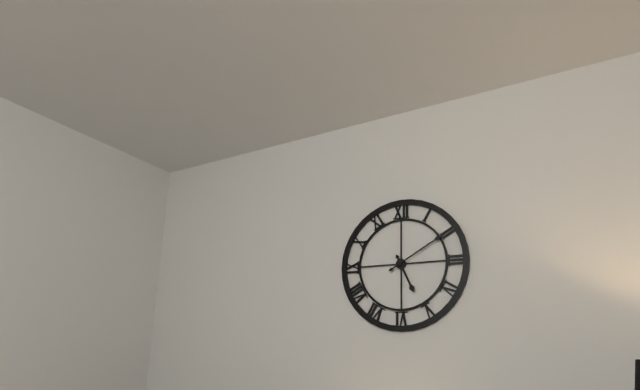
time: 5:10
